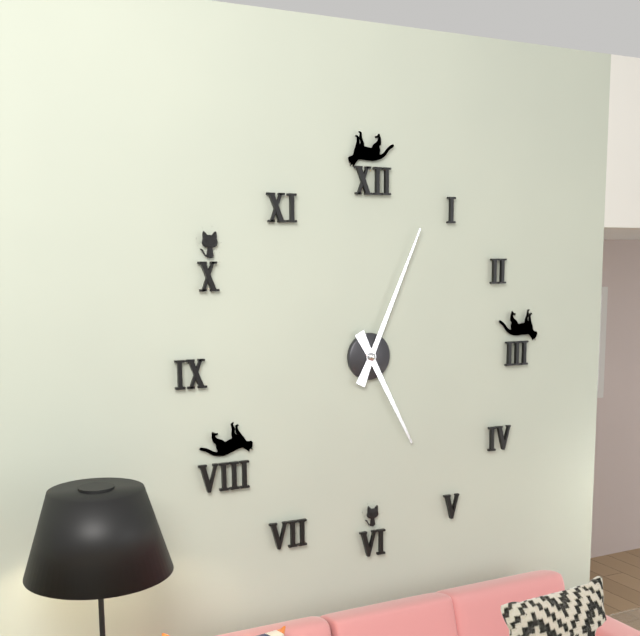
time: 5:04
